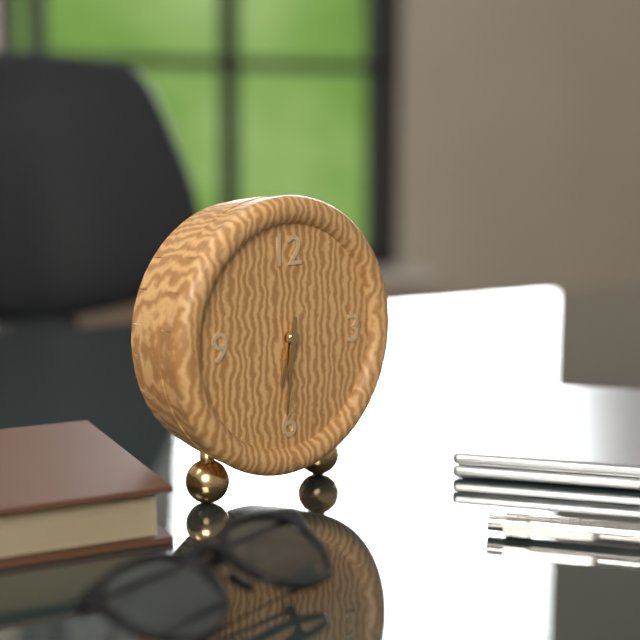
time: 6:31
